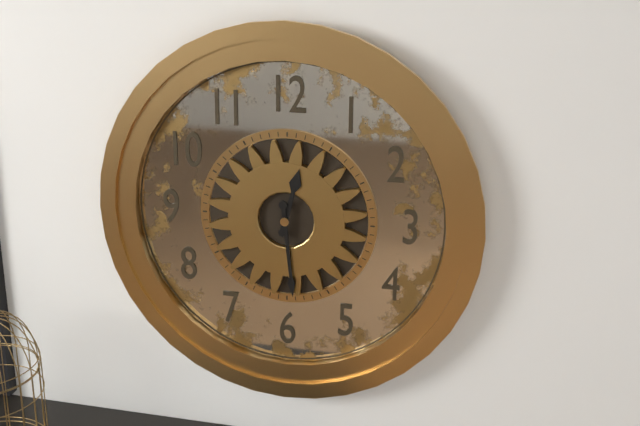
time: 12:29
